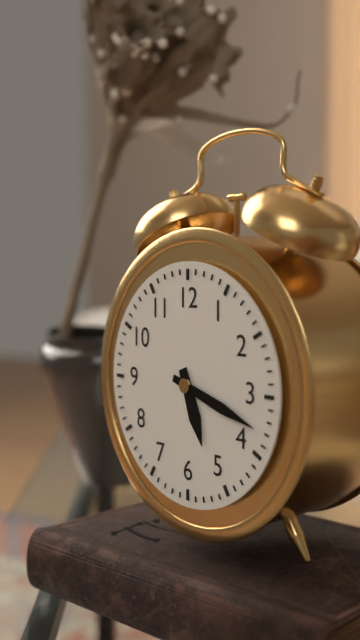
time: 5:18
